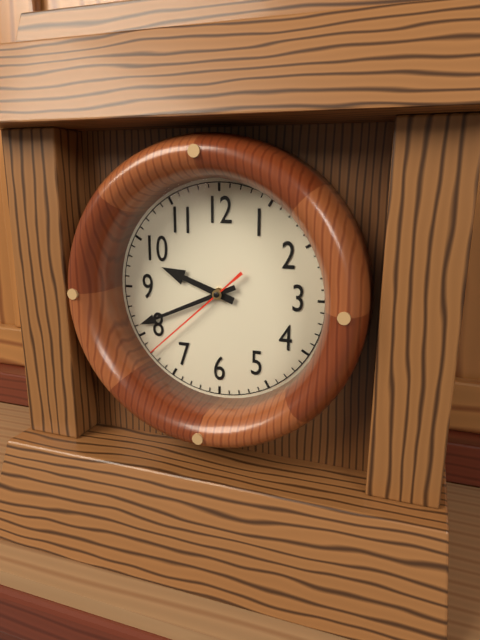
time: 9:41:38
